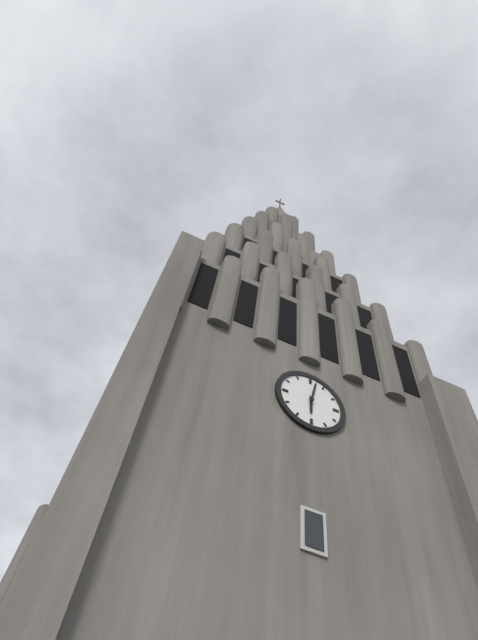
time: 6:02
